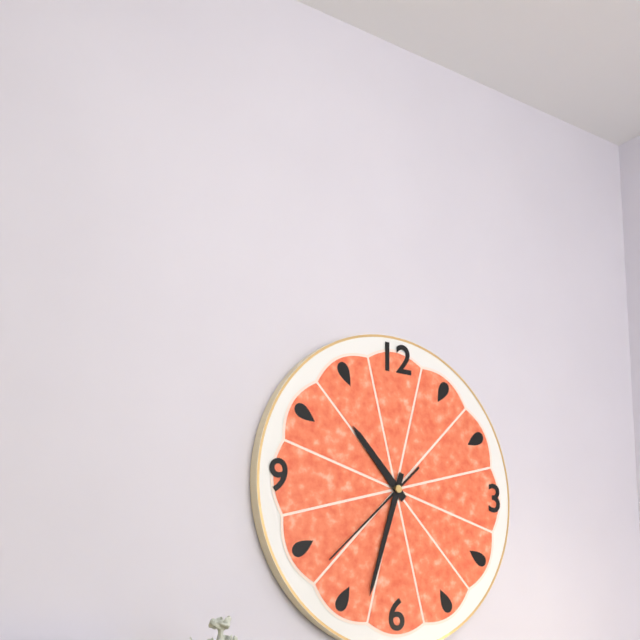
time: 10:33:38
